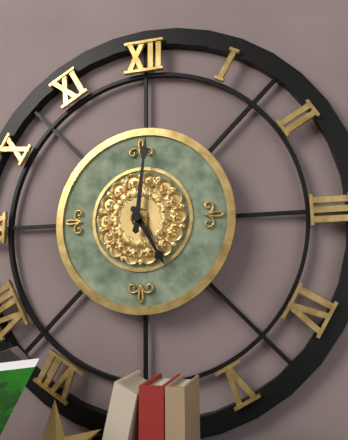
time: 5:01
